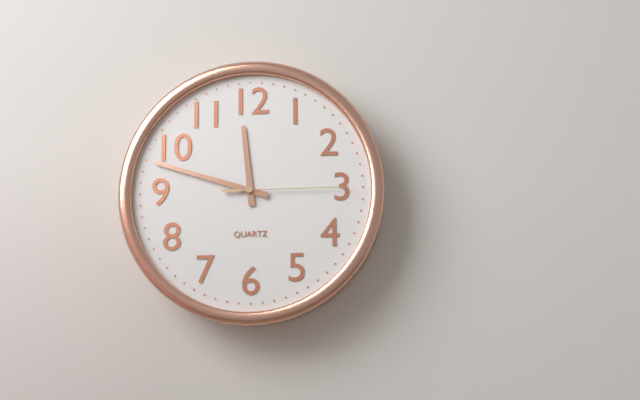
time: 11:48:15
